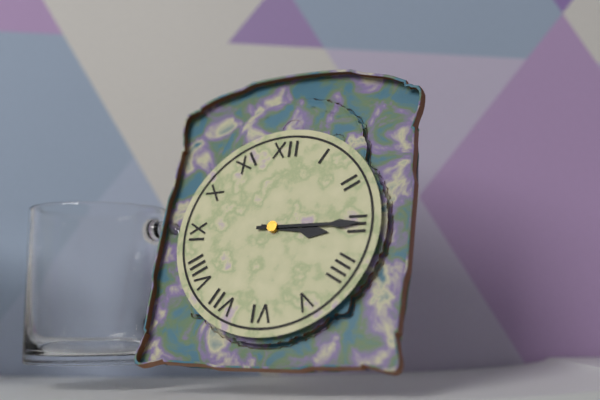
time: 3:15
